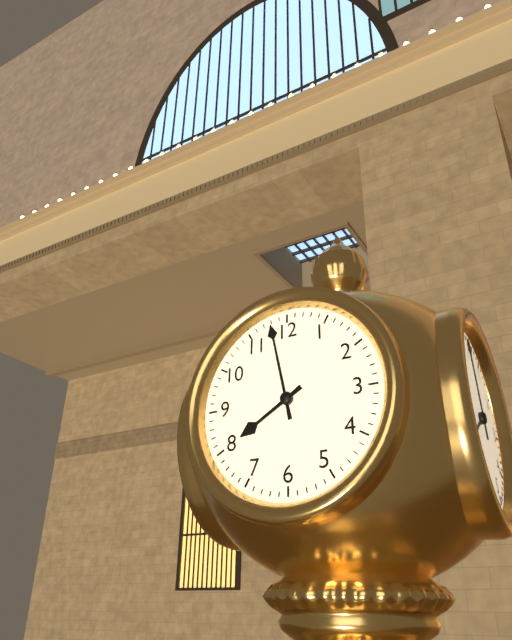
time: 7:58
